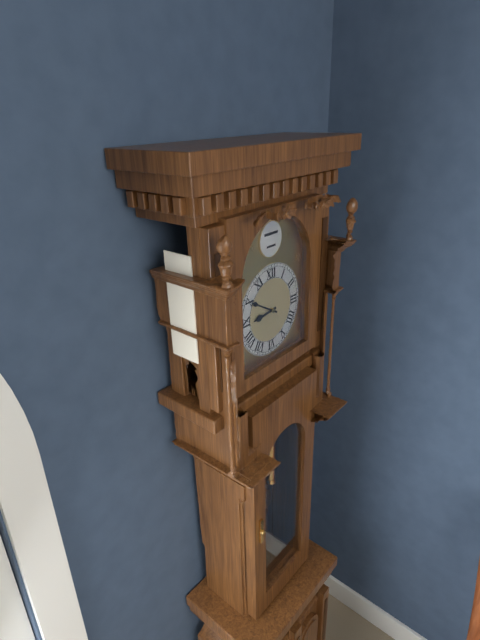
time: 8:50
